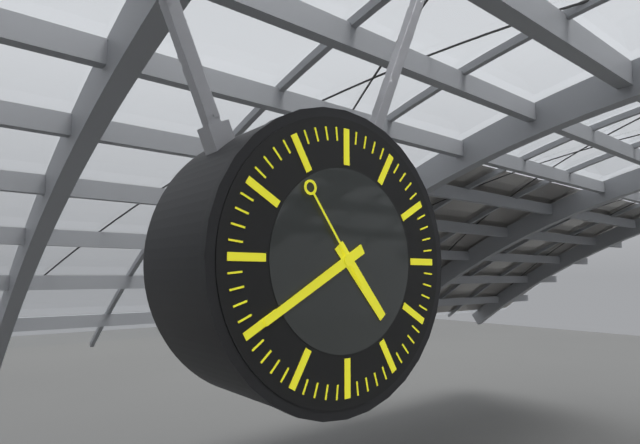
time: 4:40:54
